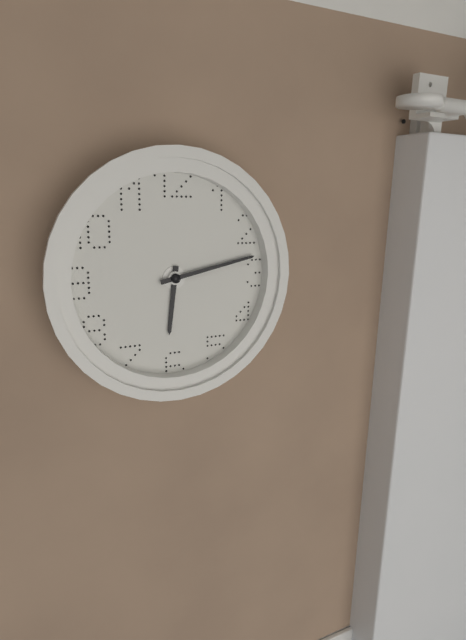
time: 6:13
